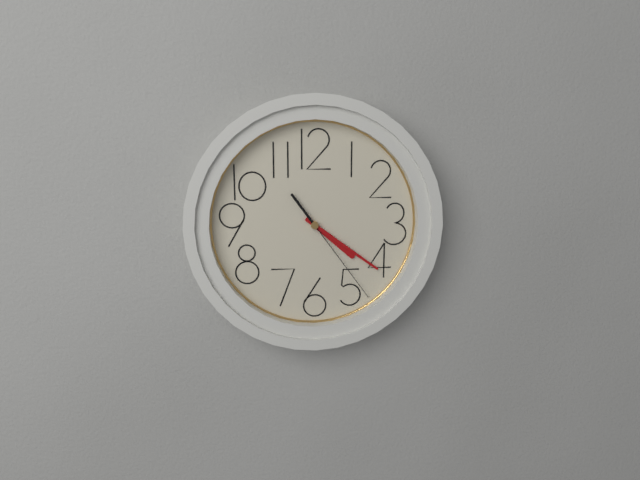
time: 4:21:24
